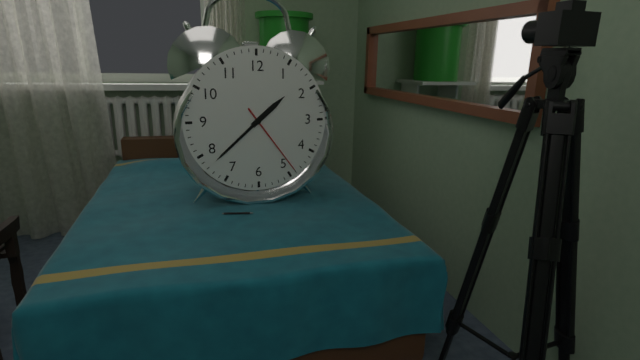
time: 1:38:24
